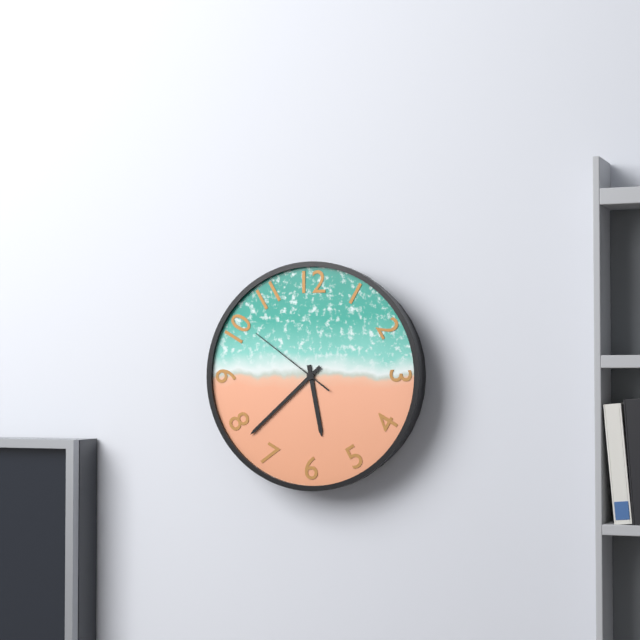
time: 5:38:51
